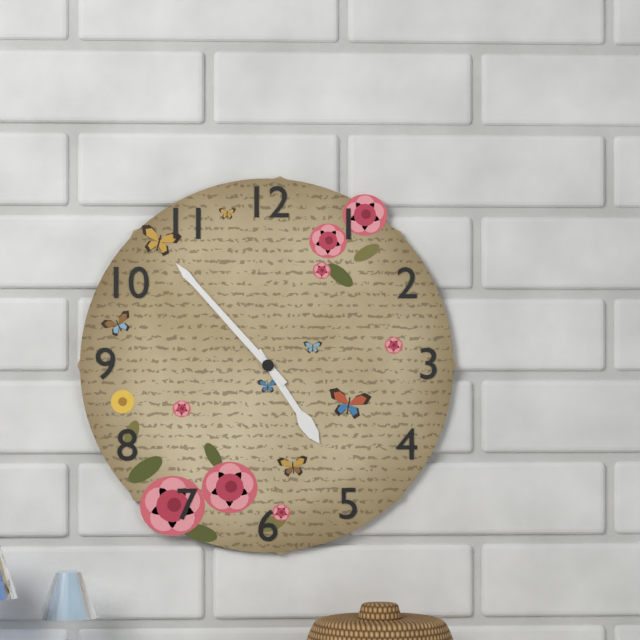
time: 4:53
